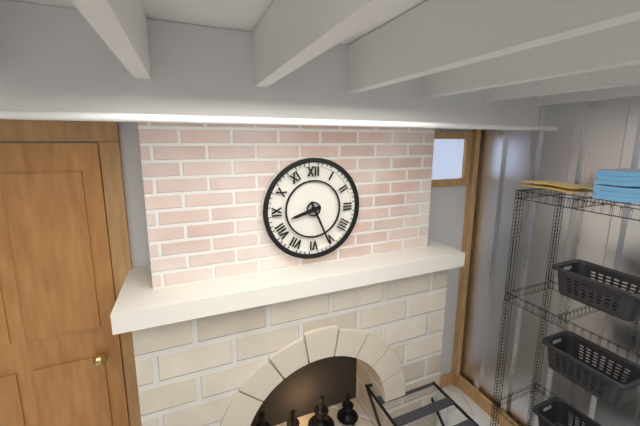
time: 8:26
